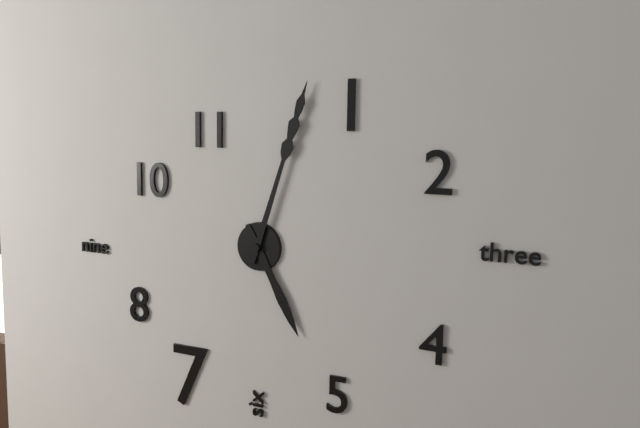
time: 5:03
